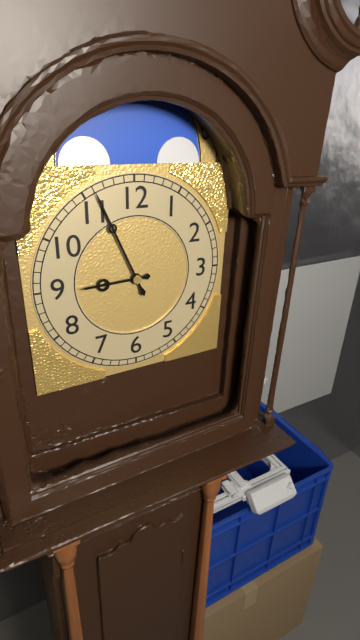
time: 8:56
